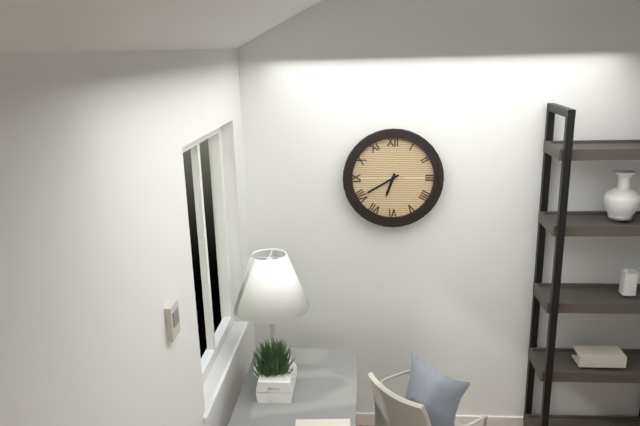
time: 6:40
